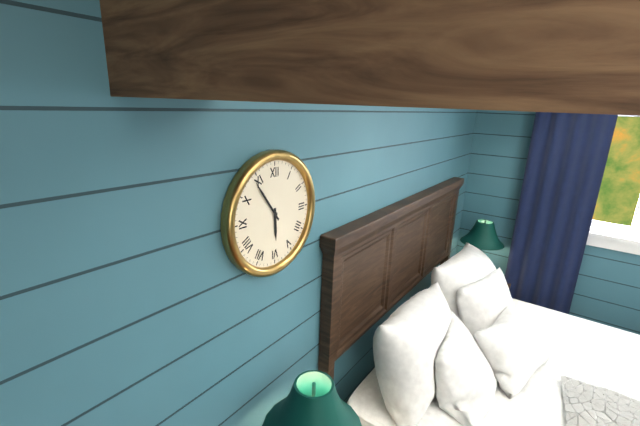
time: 5:54
